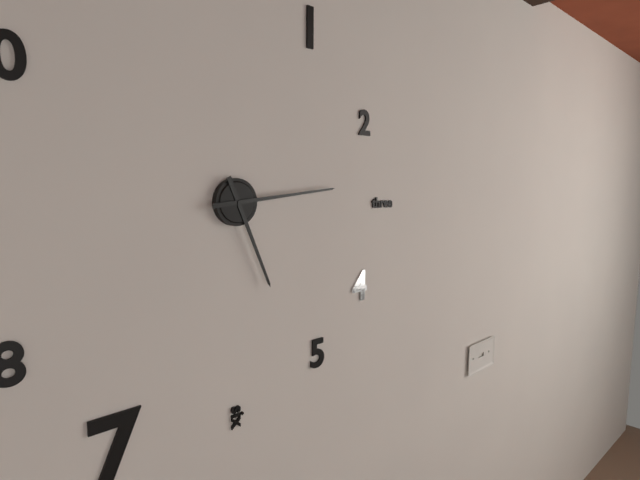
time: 5:14
